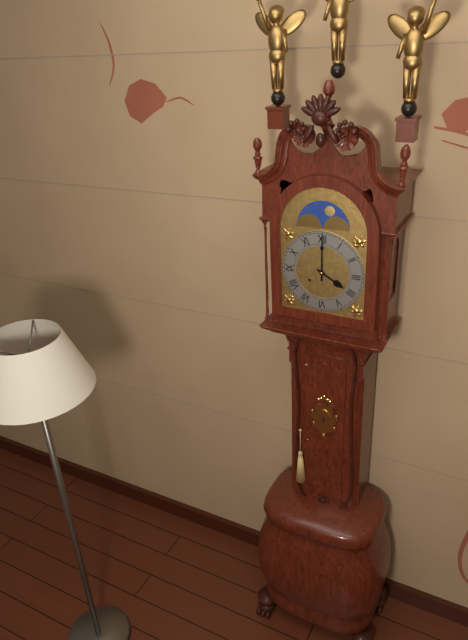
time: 4:00
